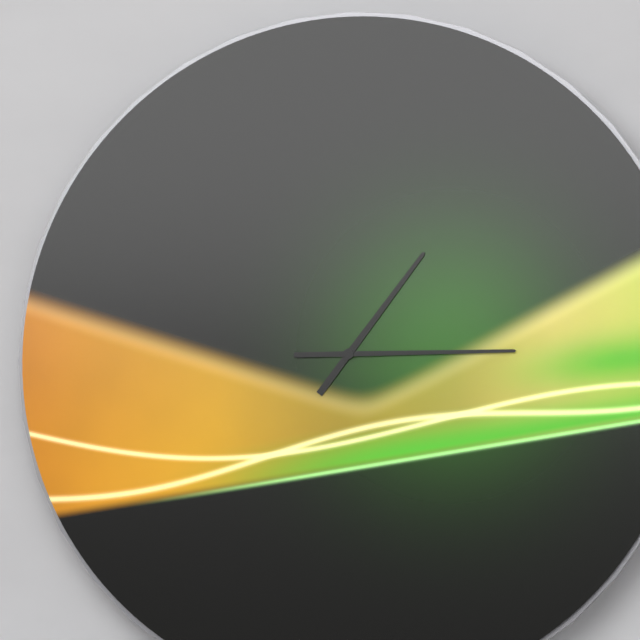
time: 1:15
